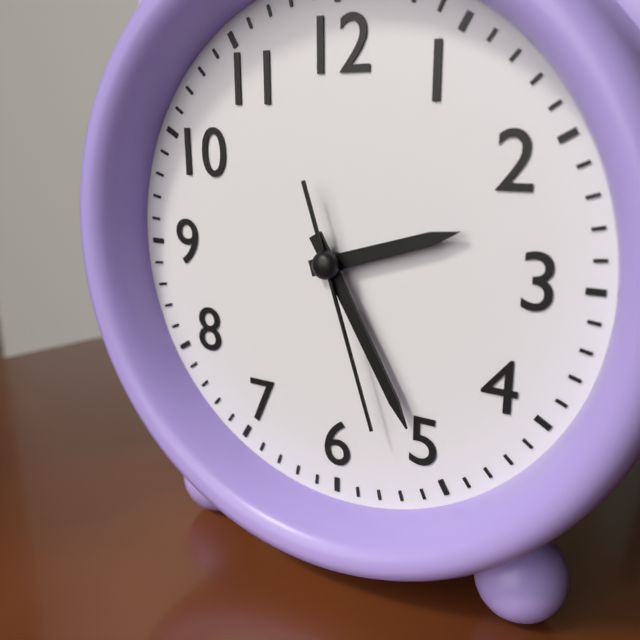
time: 2:25:27
